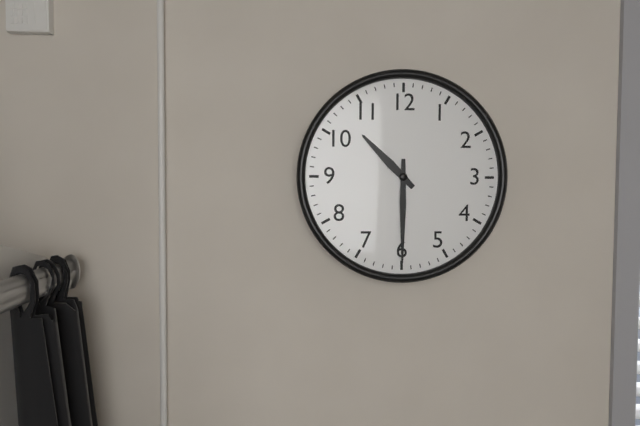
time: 10:30
